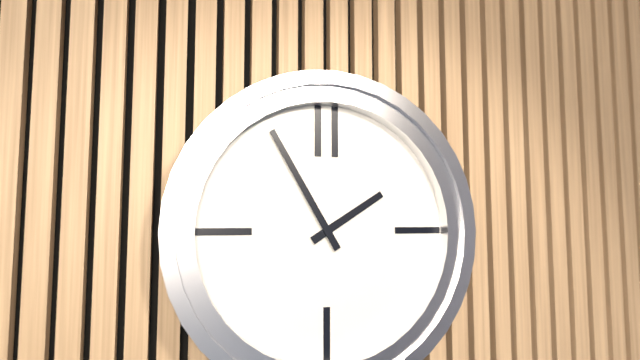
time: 1:55
